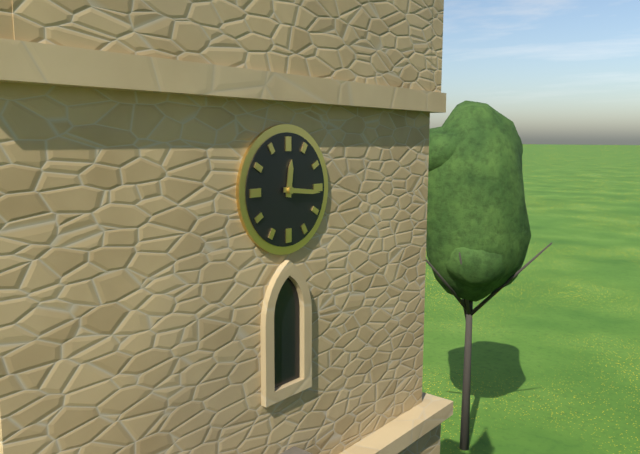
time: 12:16
